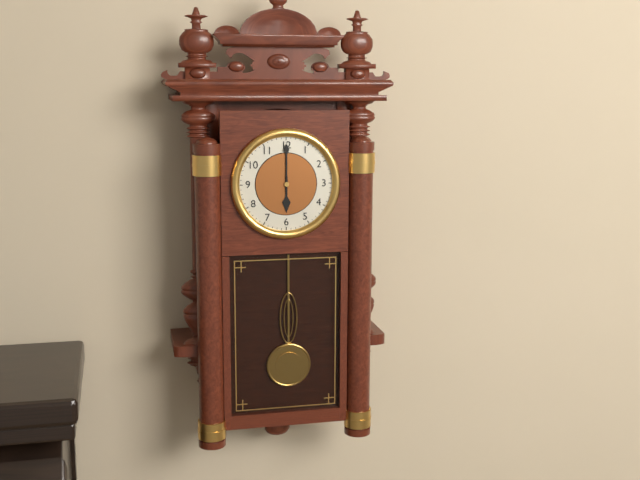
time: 6:00
